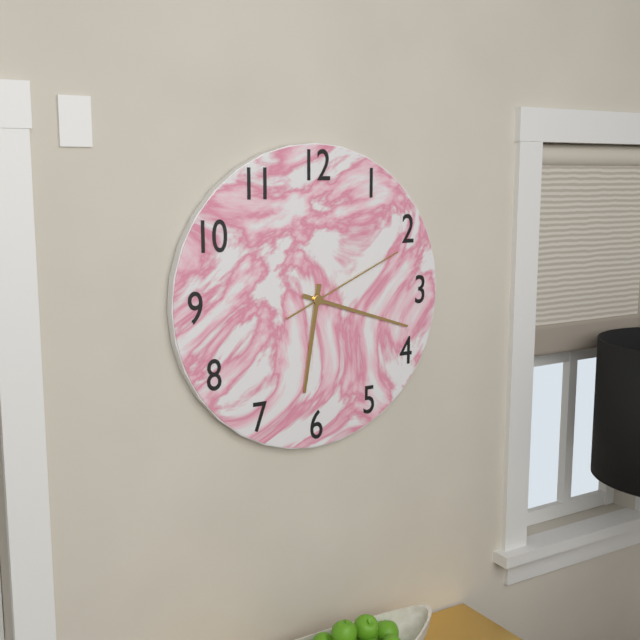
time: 6:18:11
